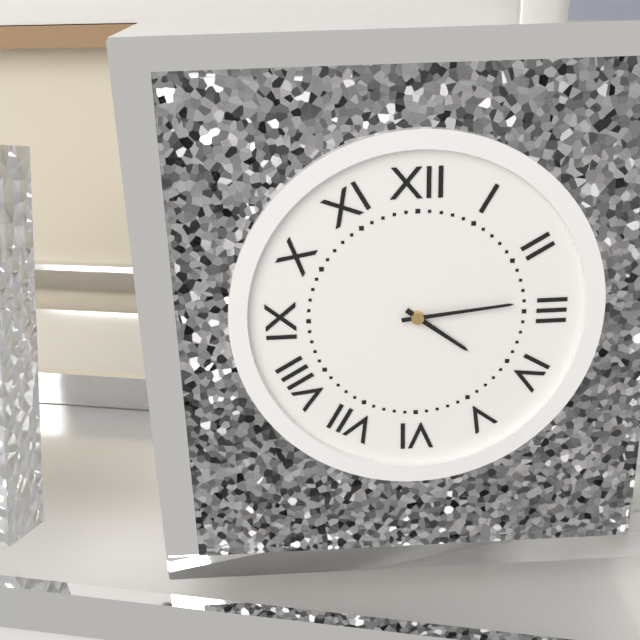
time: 4:14
